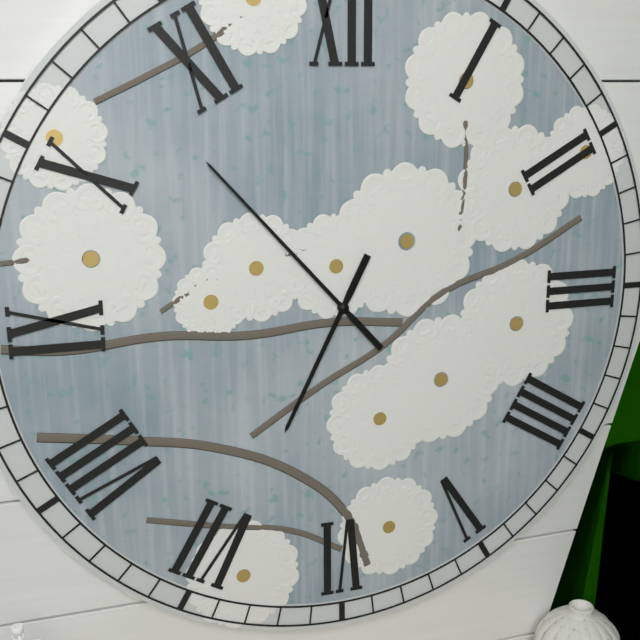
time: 6:53
